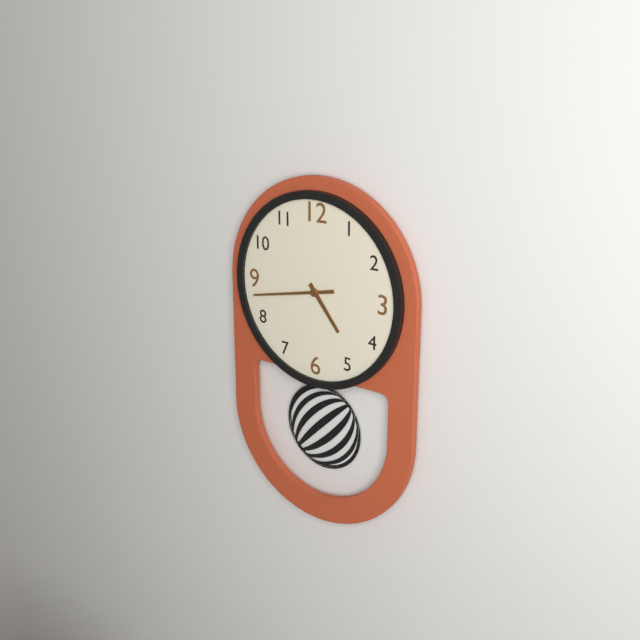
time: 4:43
